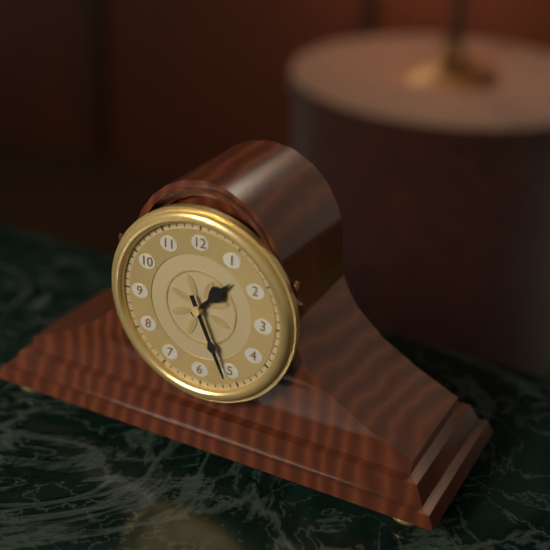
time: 1:26
